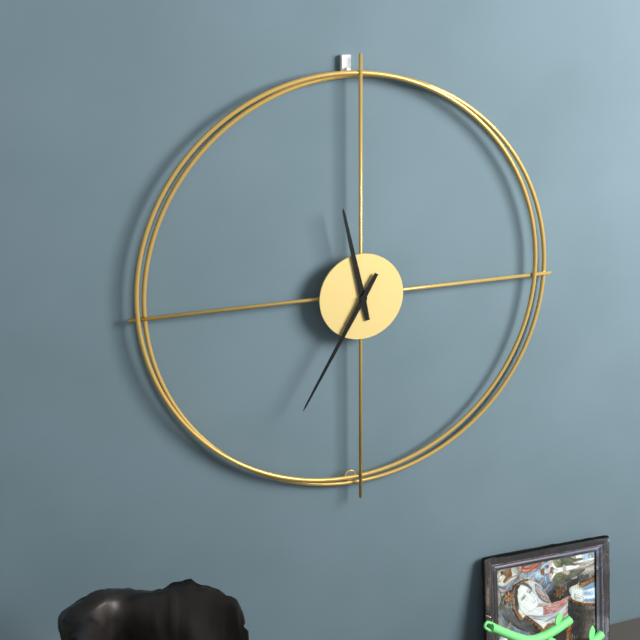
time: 11:35
